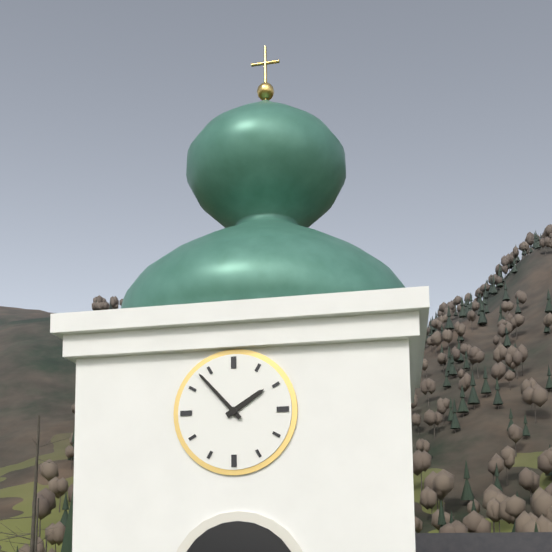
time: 1:53
